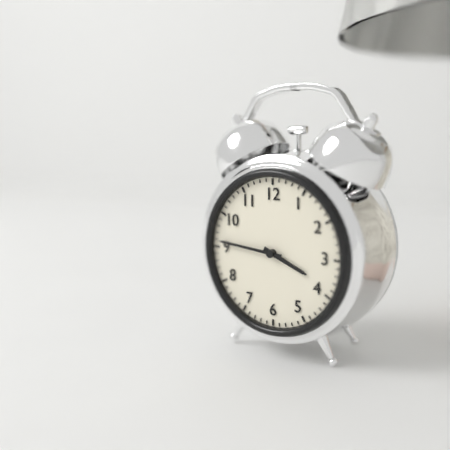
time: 3:46
